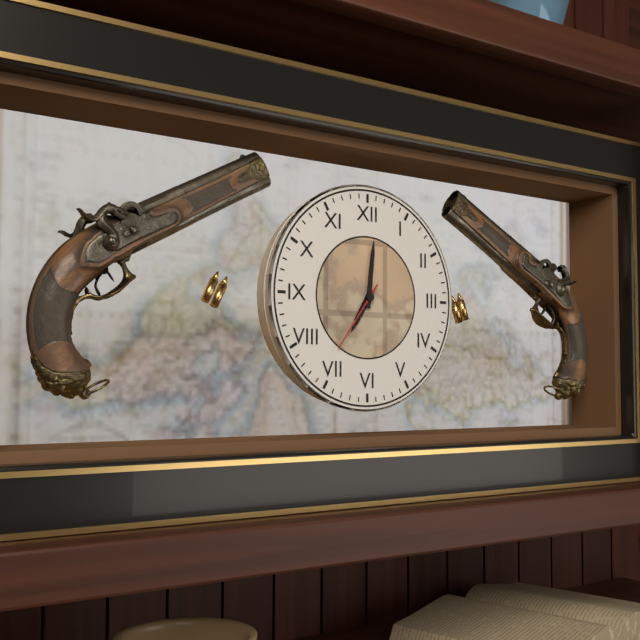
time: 7:01:36
